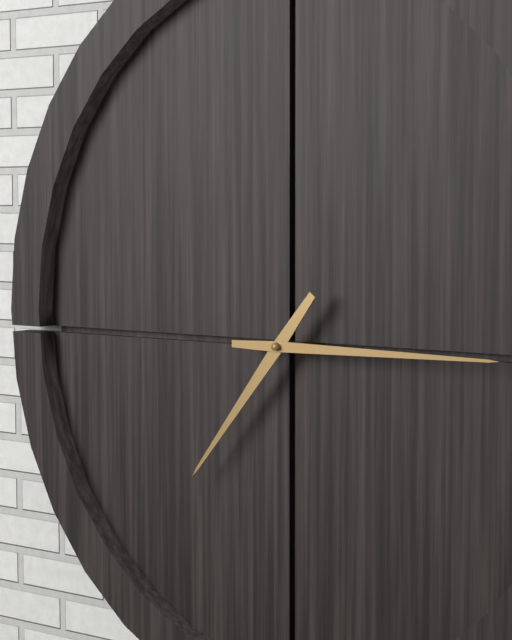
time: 7:15
